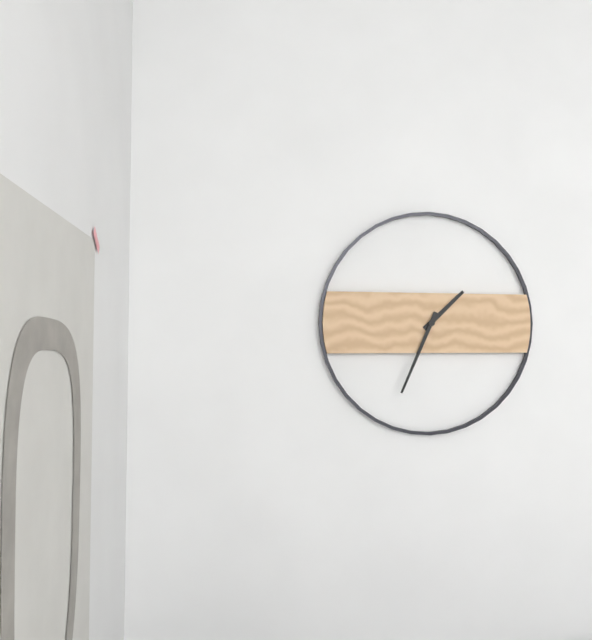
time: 1:34
